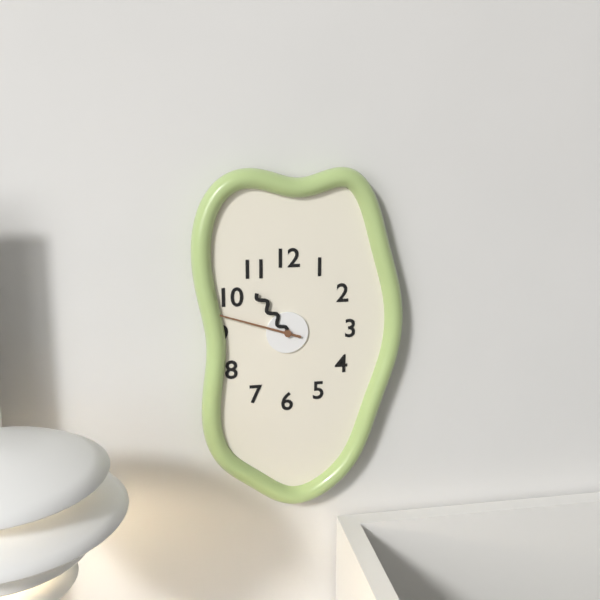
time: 10:48
